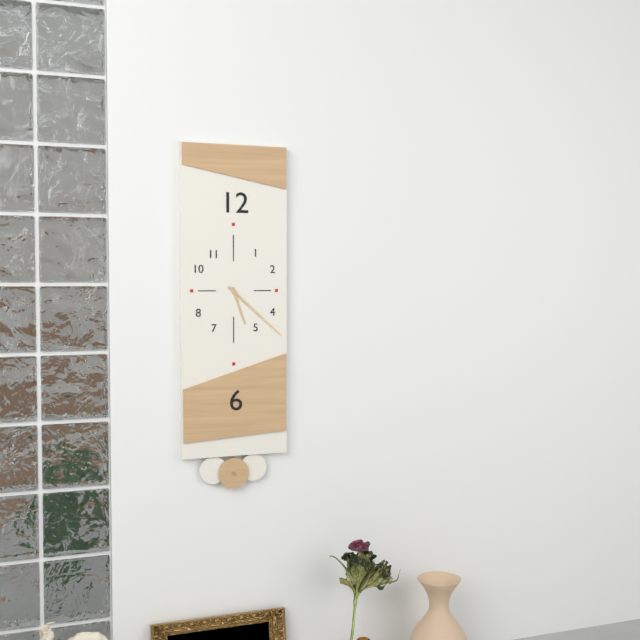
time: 5:22
